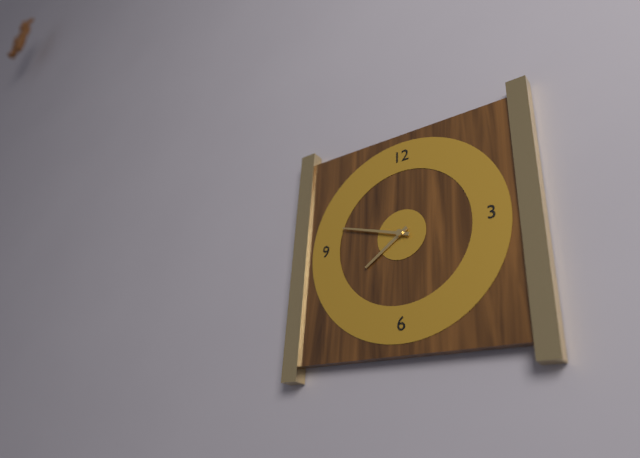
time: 7:48
